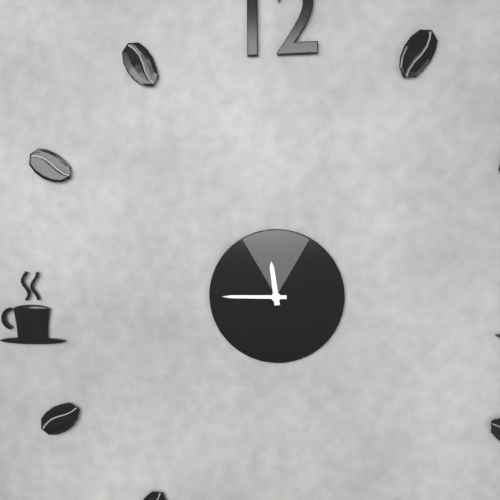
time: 11:45
